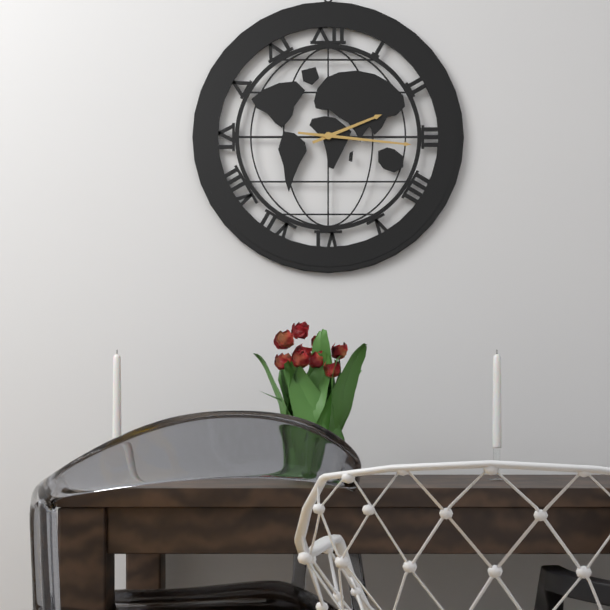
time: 2:16
